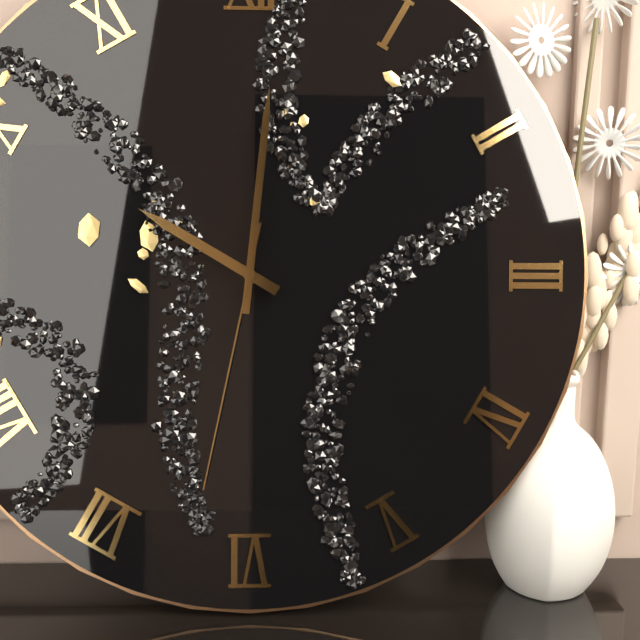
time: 10:01:32
